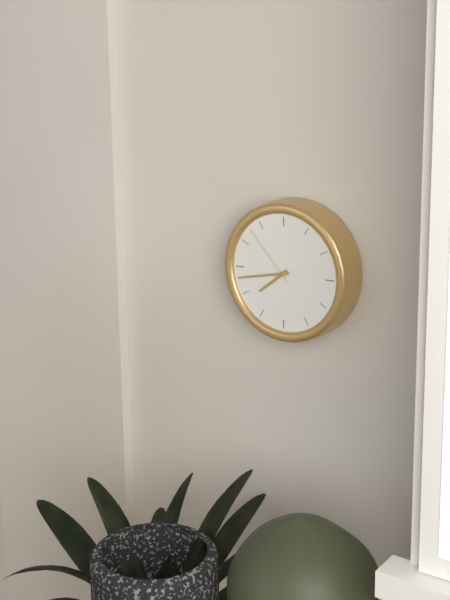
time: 7:43:53
